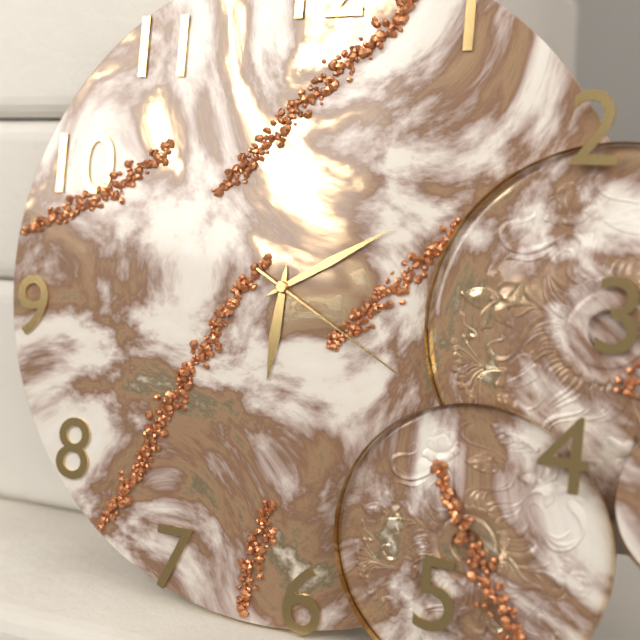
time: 6:10:20
